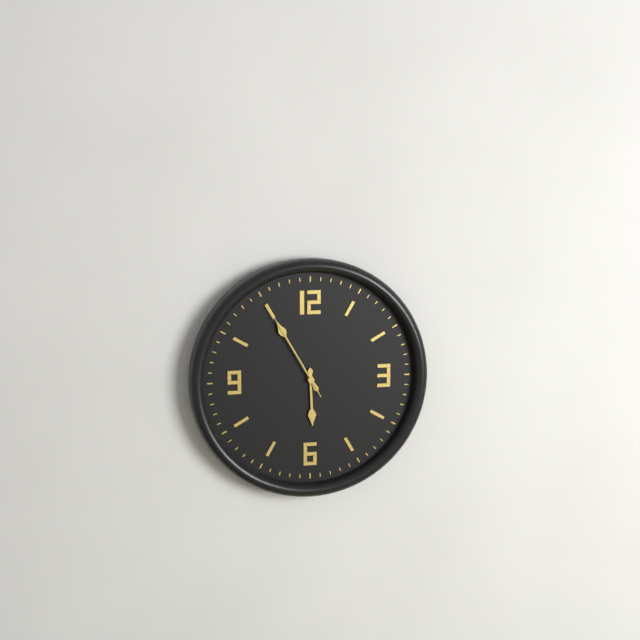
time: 5:55:55
